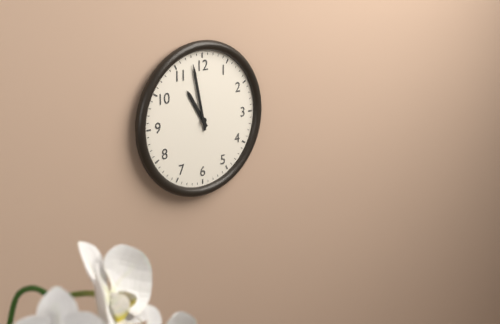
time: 10:58
